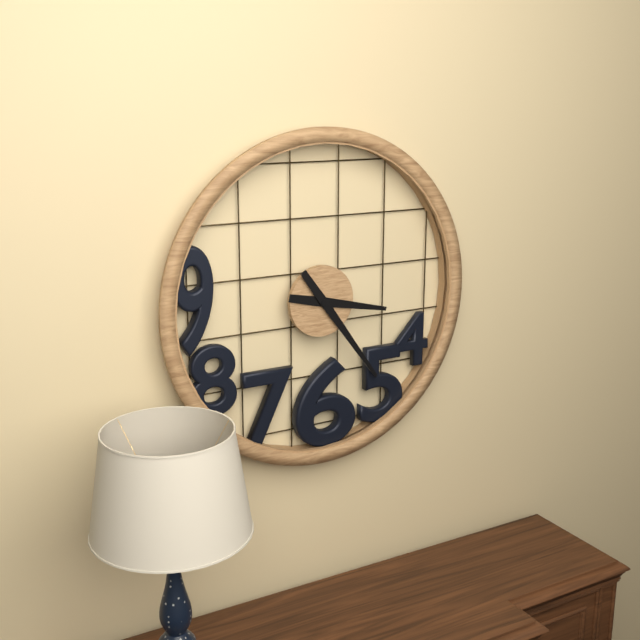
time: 3:24
